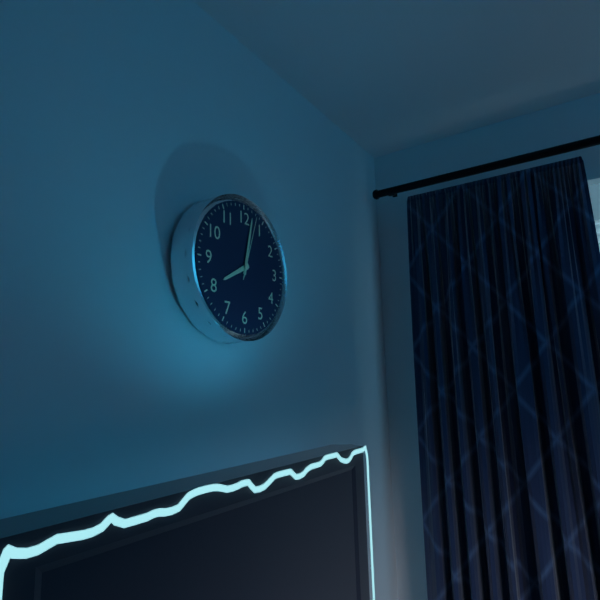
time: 8:02:03
